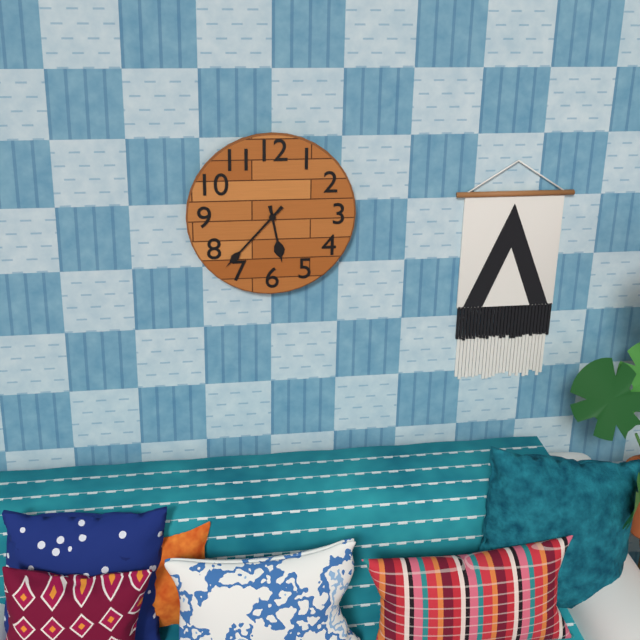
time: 5:37
